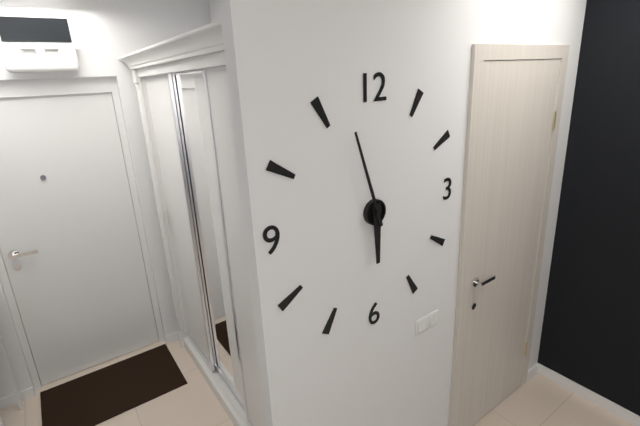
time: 5:57
